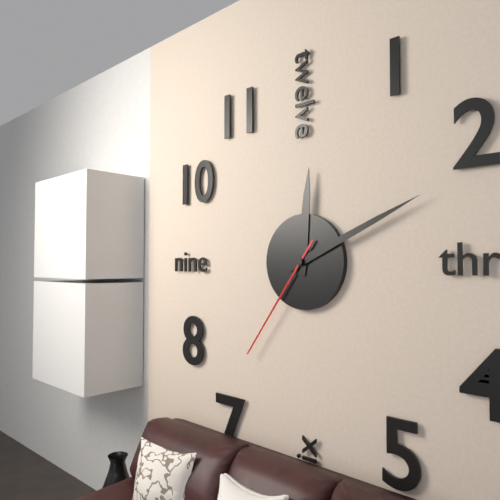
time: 12:11:36
